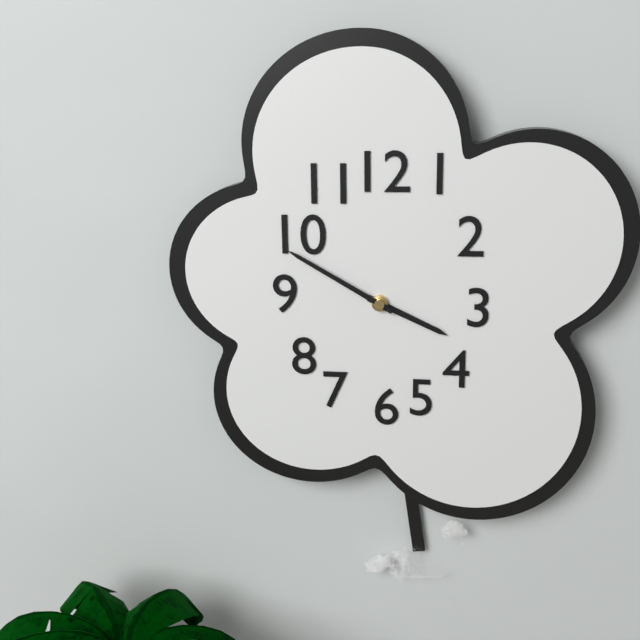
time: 3:50
